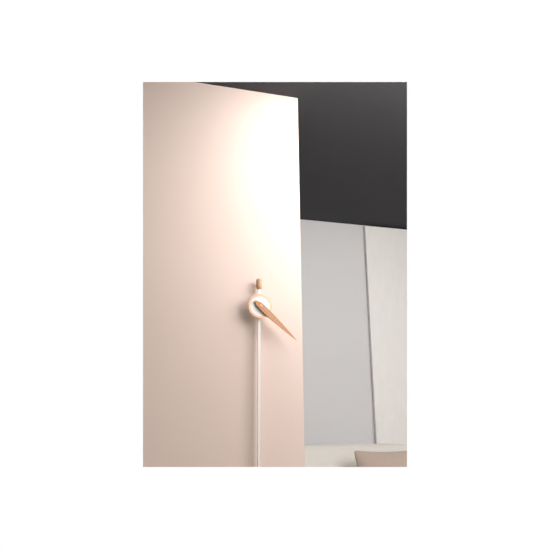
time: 4:22
